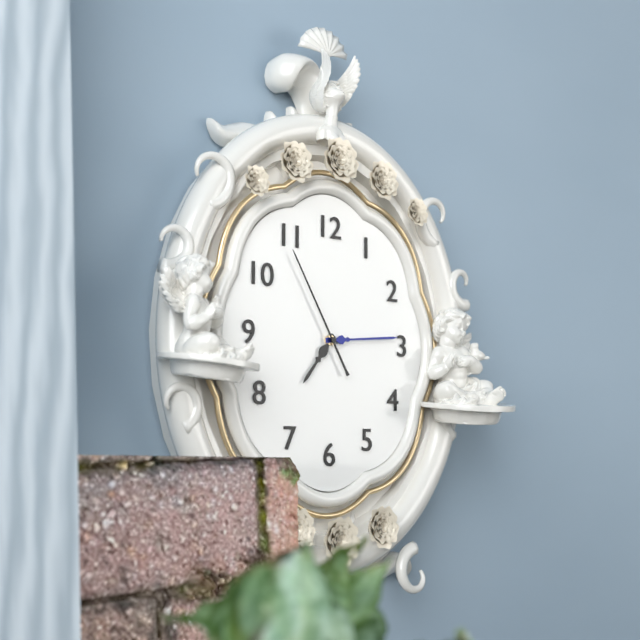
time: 7:14:55
